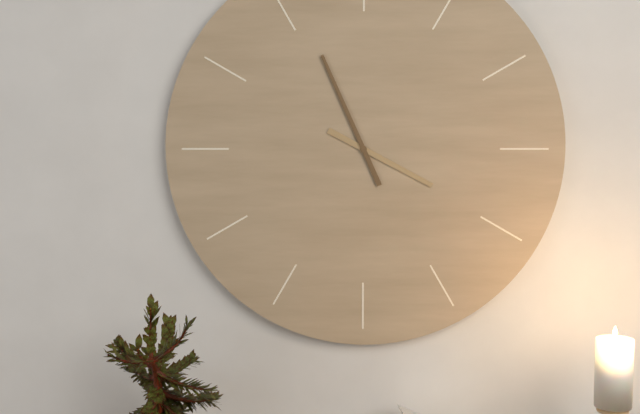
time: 3:56
